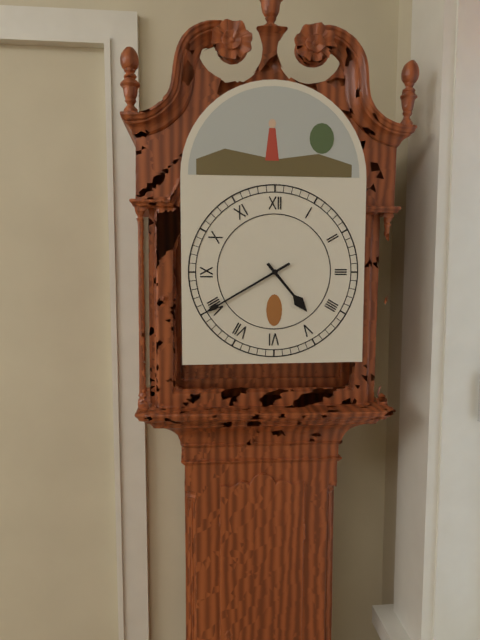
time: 4:40
